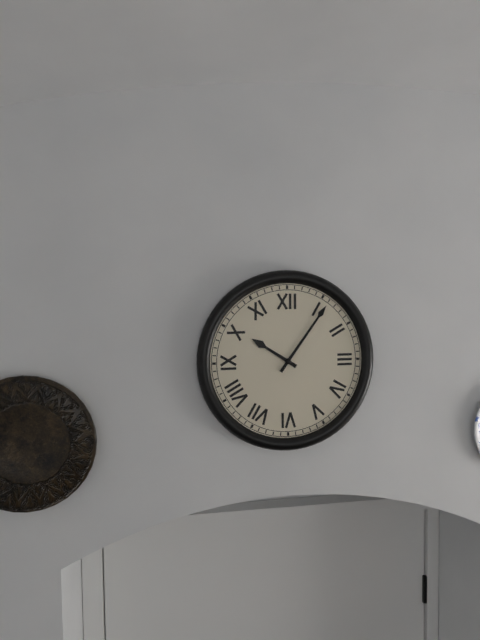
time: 10:06
